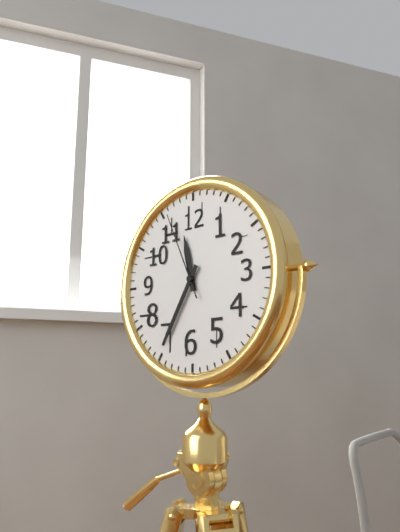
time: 11:35:56
